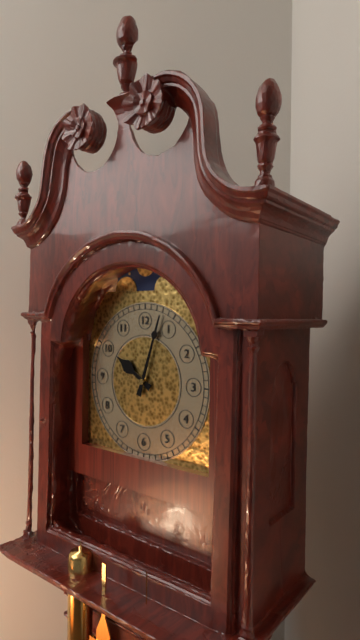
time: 10:03
